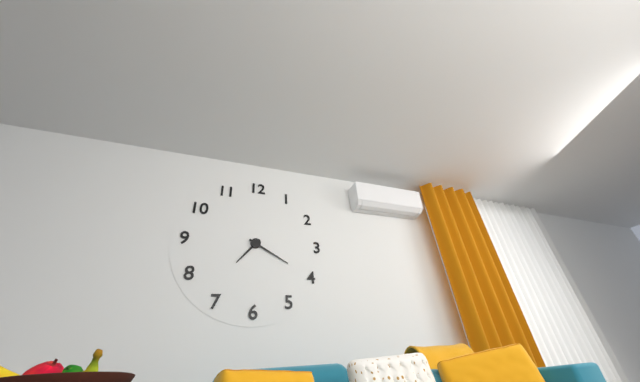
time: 7:20
